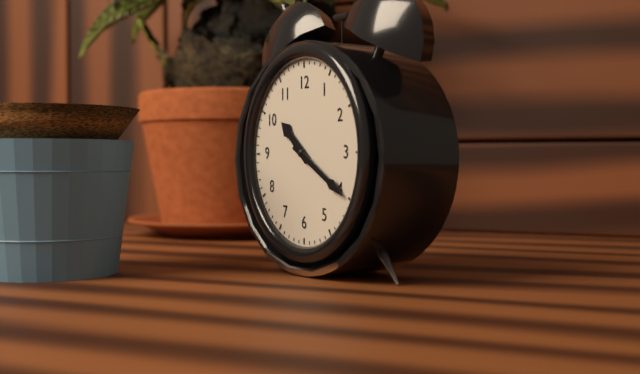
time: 10:20
